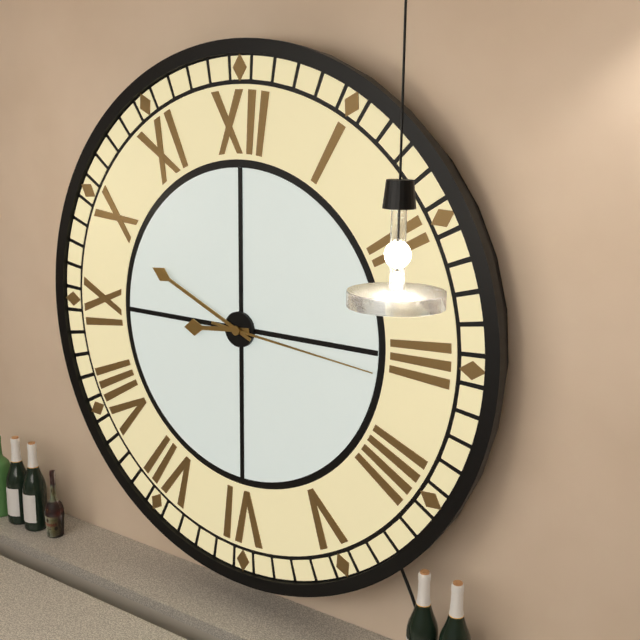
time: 8:49:16
